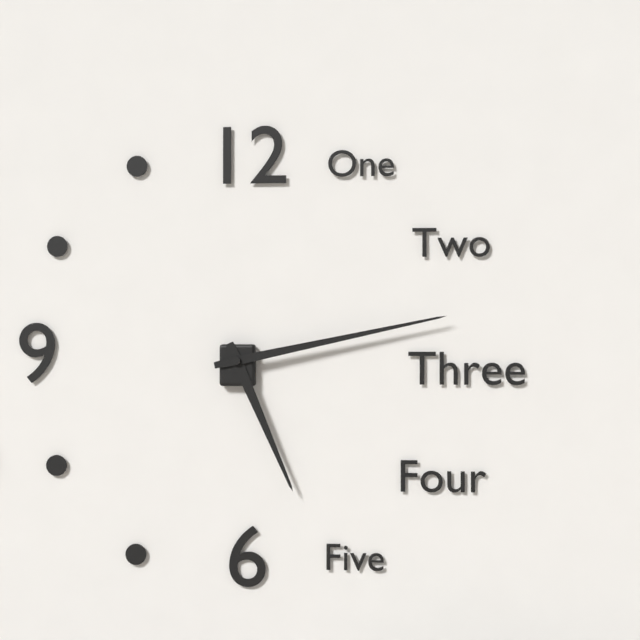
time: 5:13
